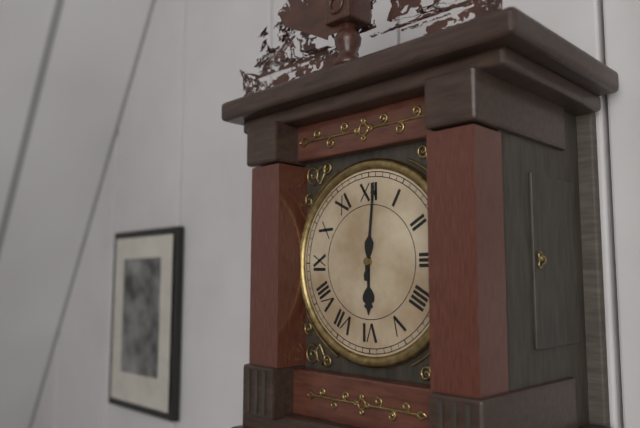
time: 6:01
